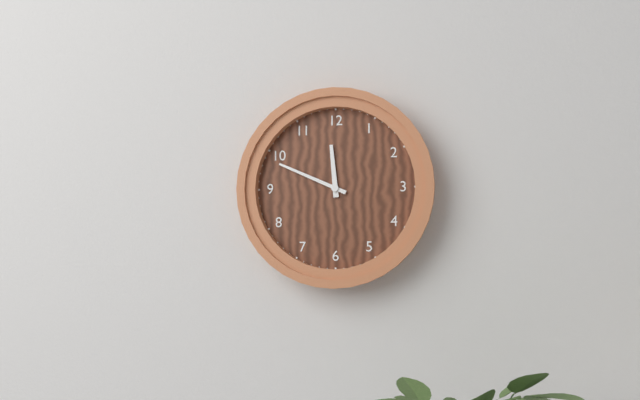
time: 11:49
